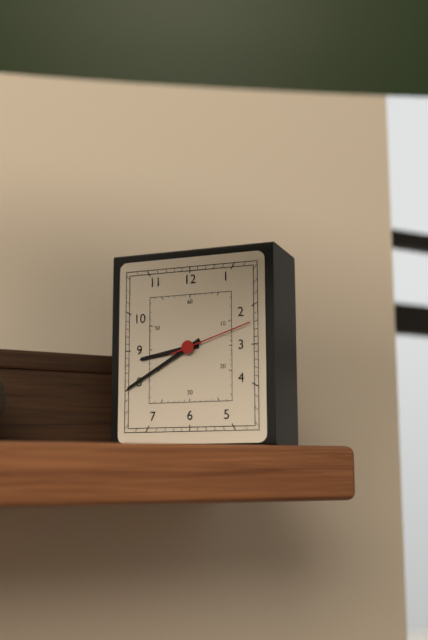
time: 8:40:12
